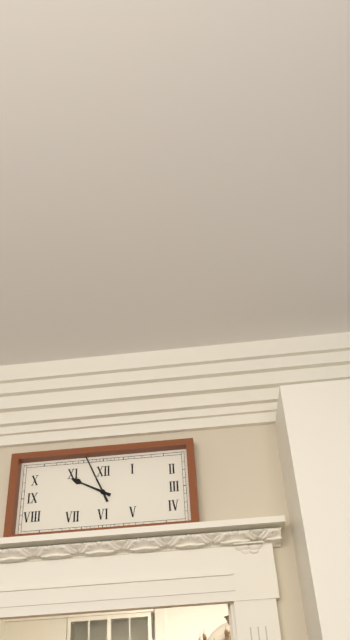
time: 9:56
